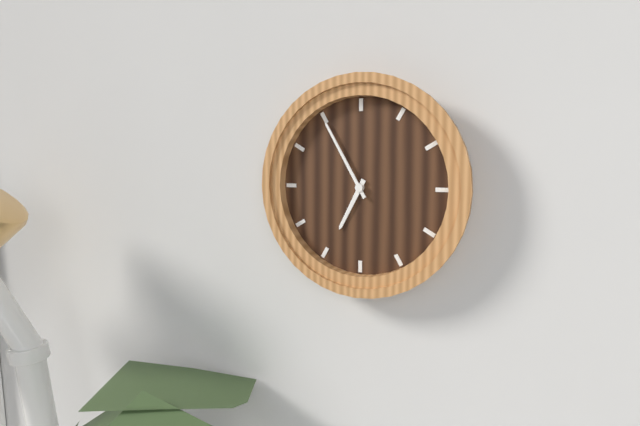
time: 6:55
